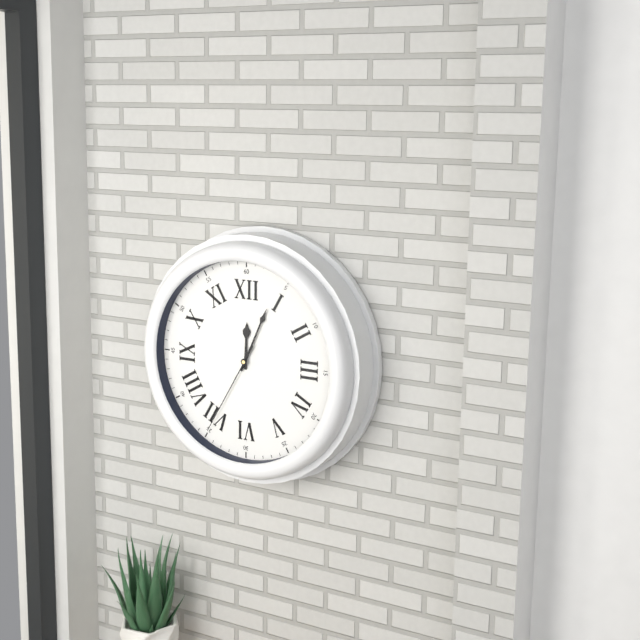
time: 12:04:35
